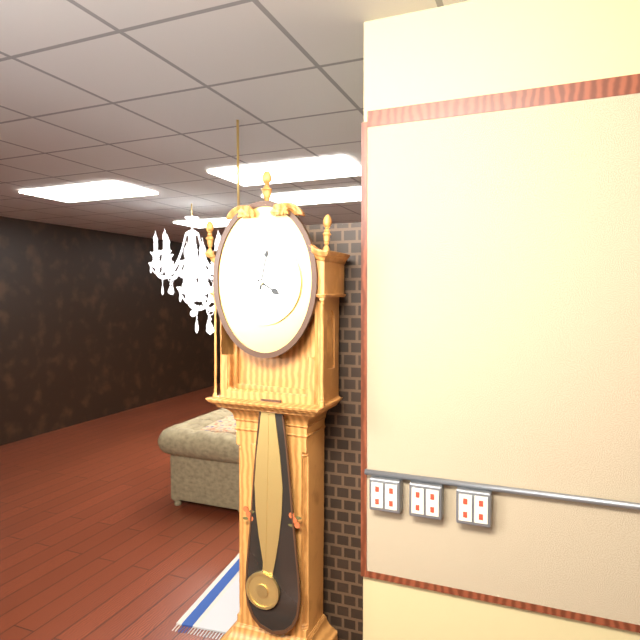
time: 4:02
